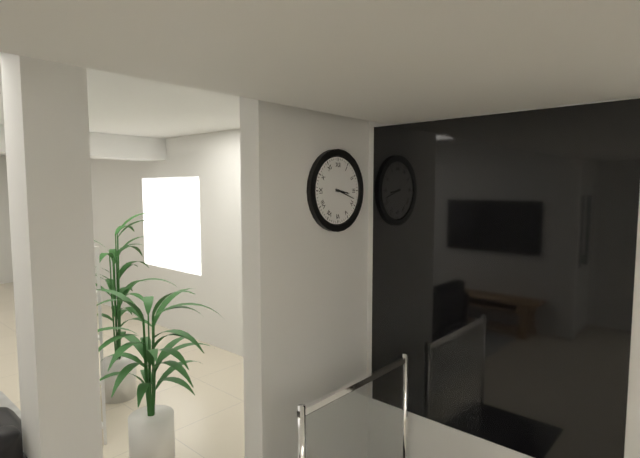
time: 3:18
